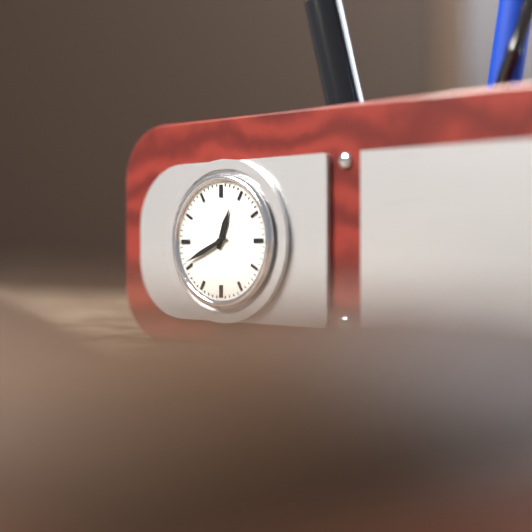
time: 12:41
